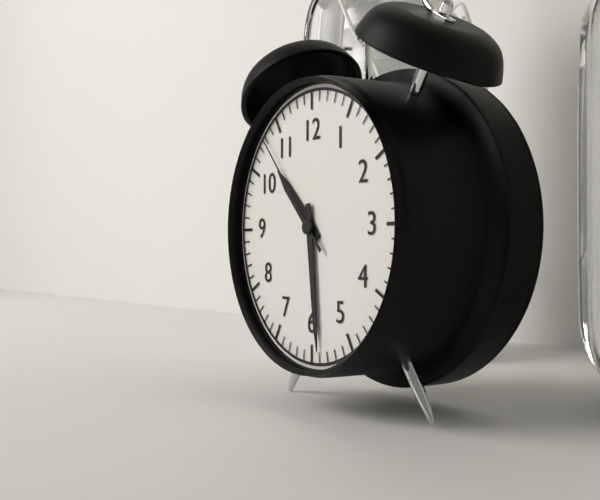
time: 10:29:53
